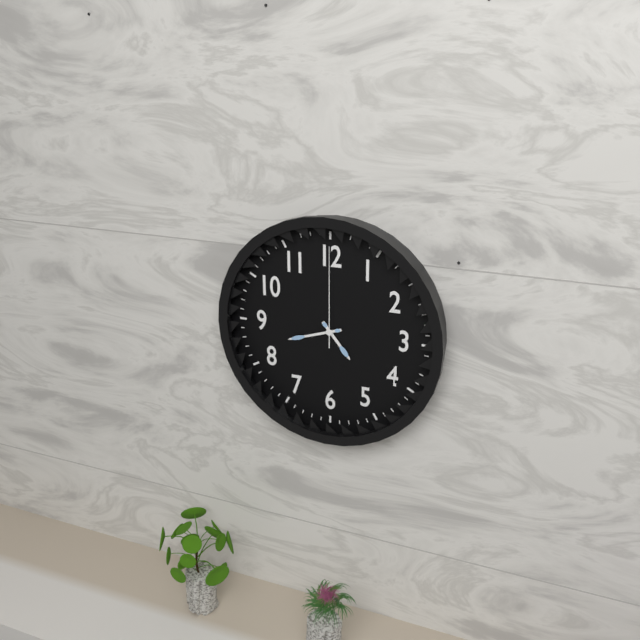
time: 4:42:00
